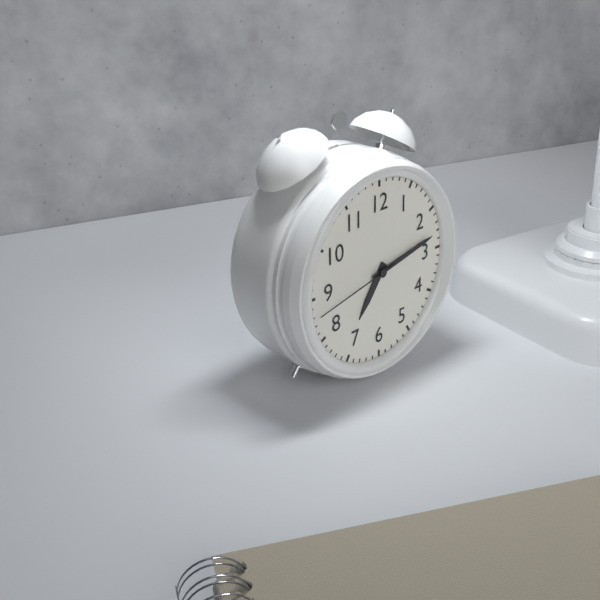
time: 7:13:43
